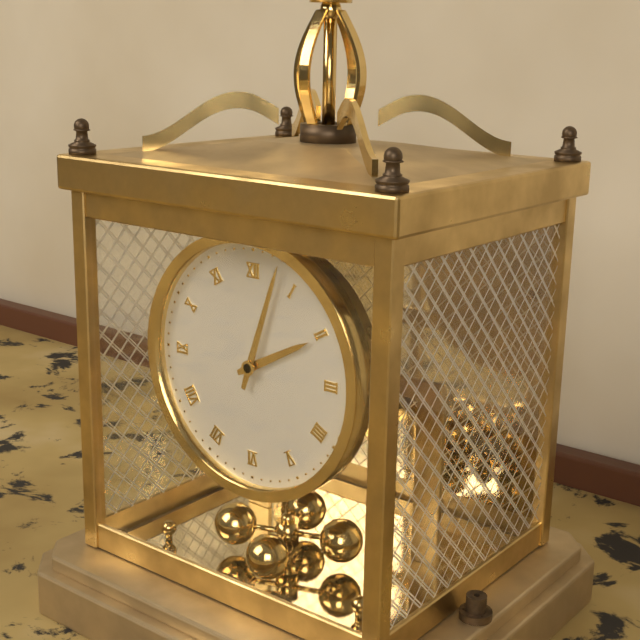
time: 2:03
